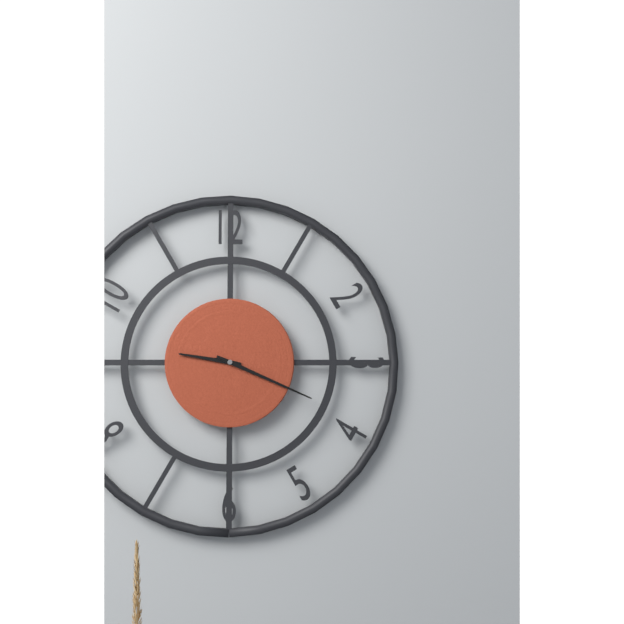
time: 9:19
